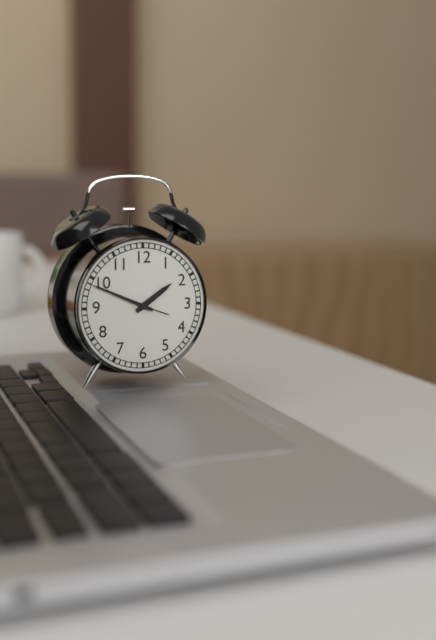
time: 1:49
